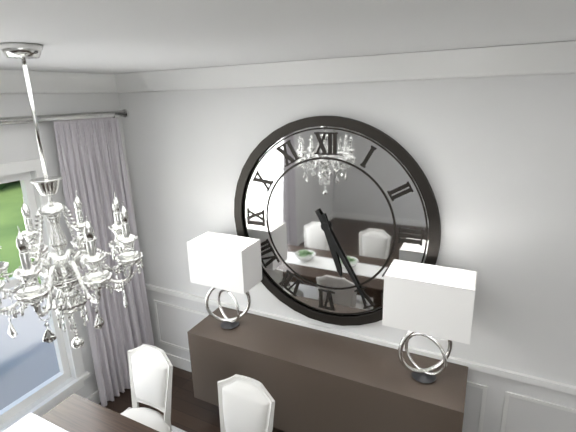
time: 5:25
